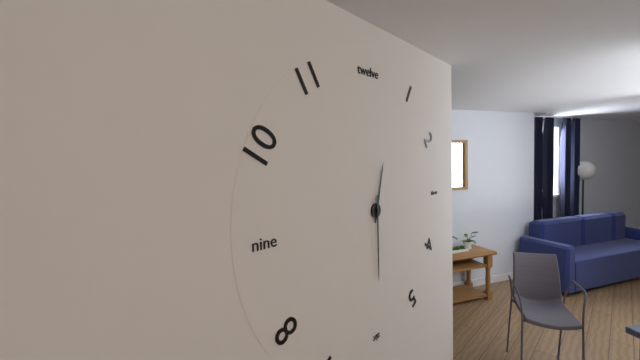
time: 12:30
